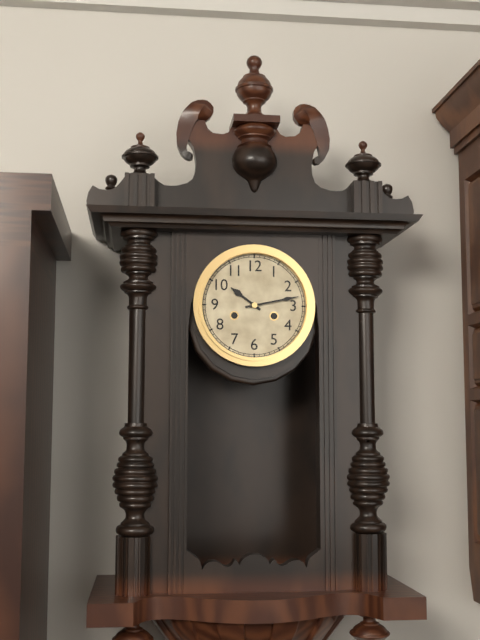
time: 10:13
